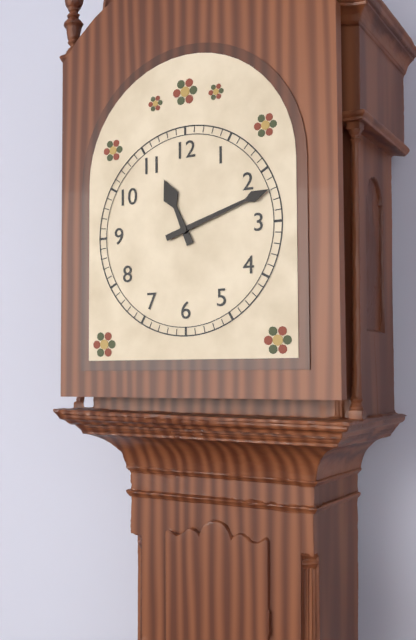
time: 11:12
